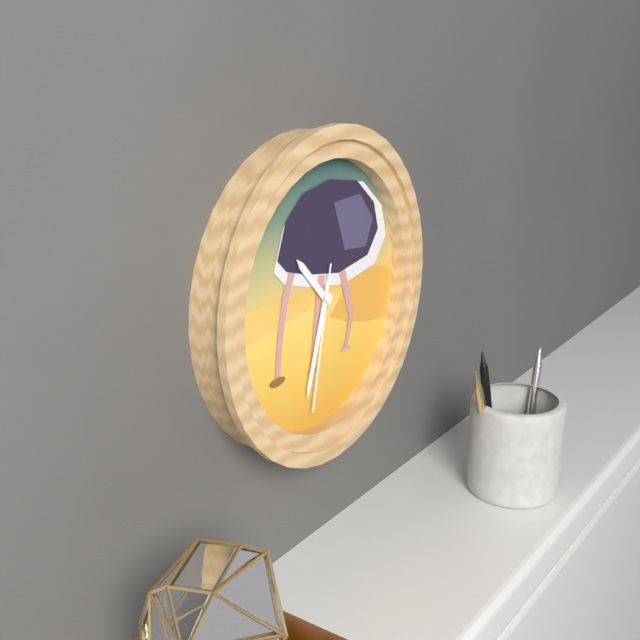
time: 10:33:32
